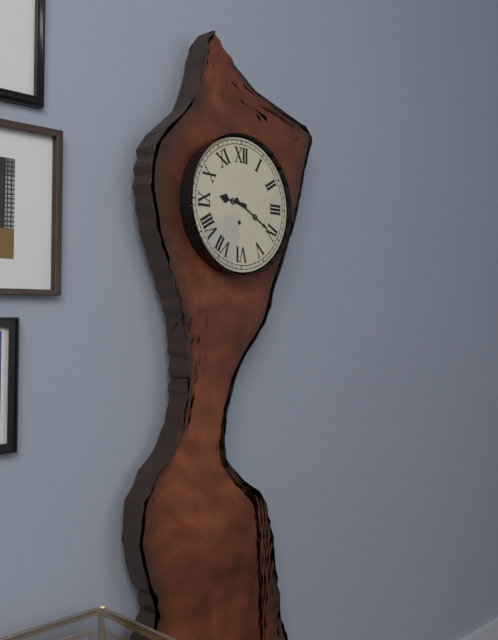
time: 9:20
